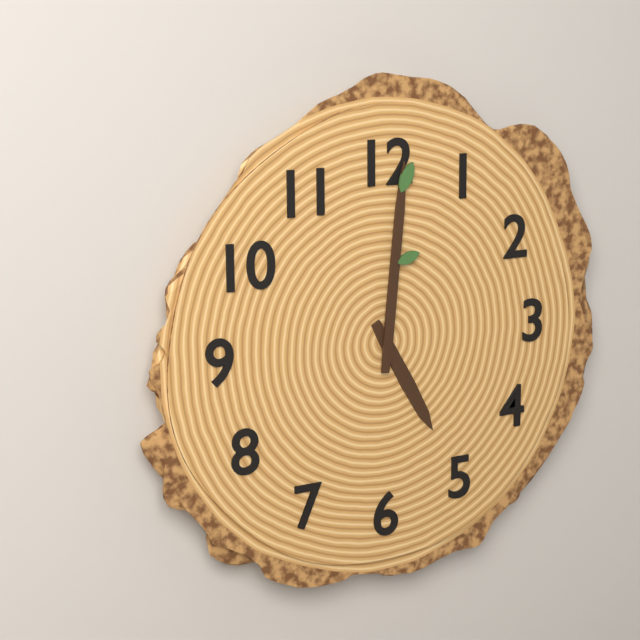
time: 5:01
